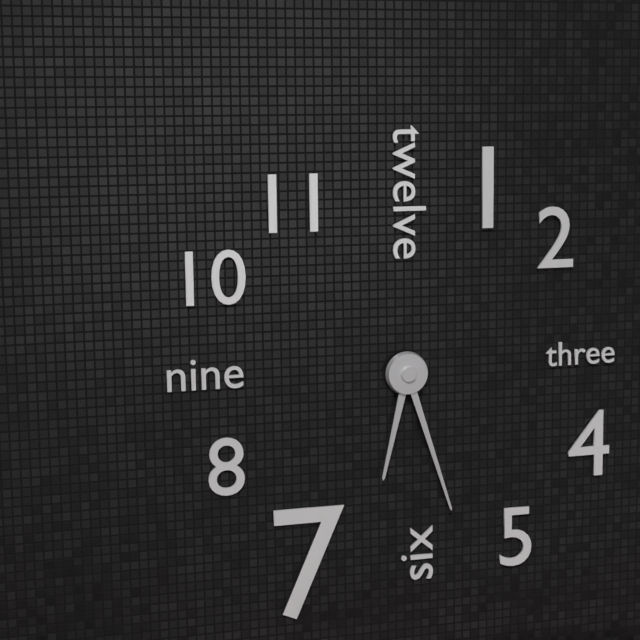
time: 6:27
